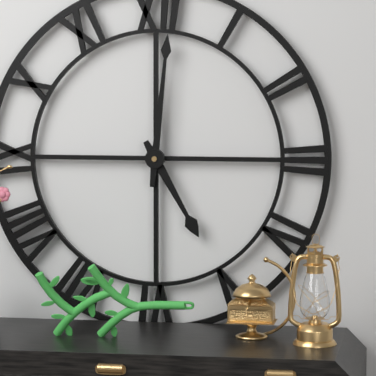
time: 5:01
